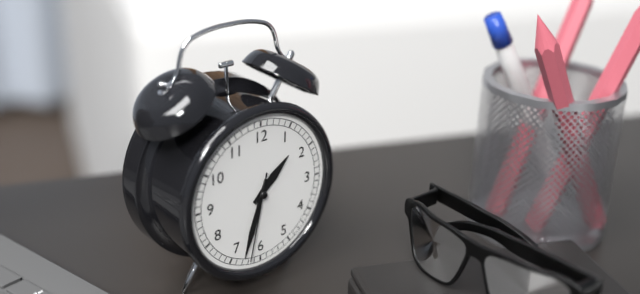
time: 1:33:32
